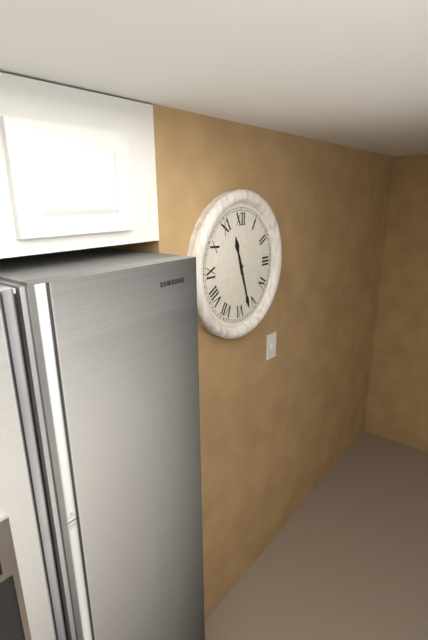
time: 11:27
